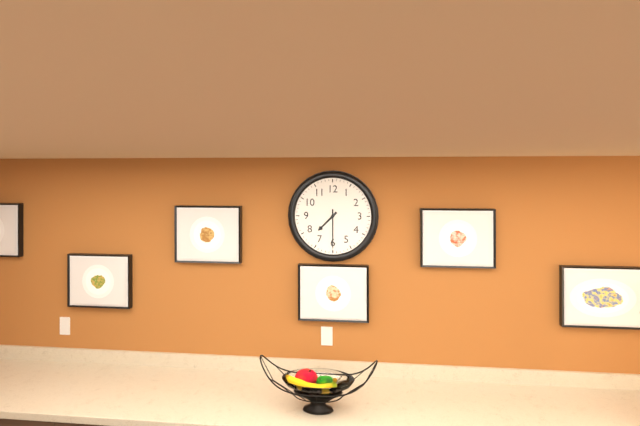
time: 7:30
